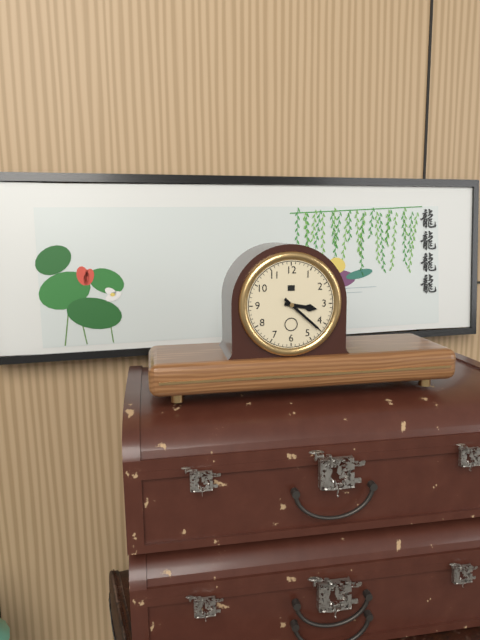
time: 3:22
